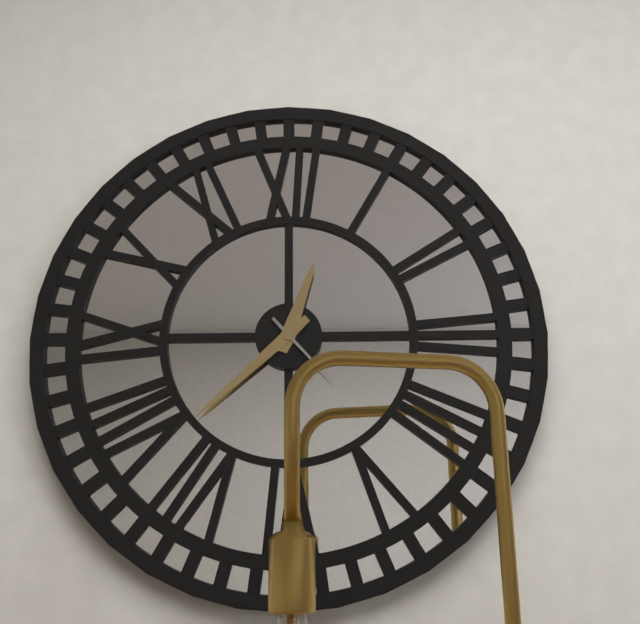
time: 12:38:23
